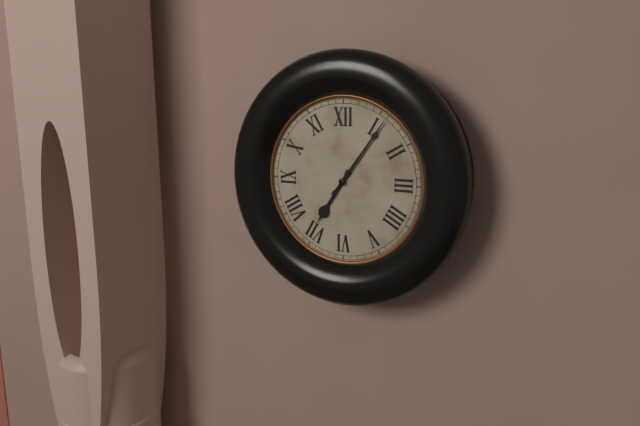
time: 7:06
